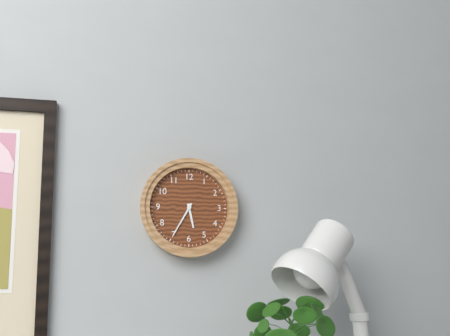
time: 5:35
